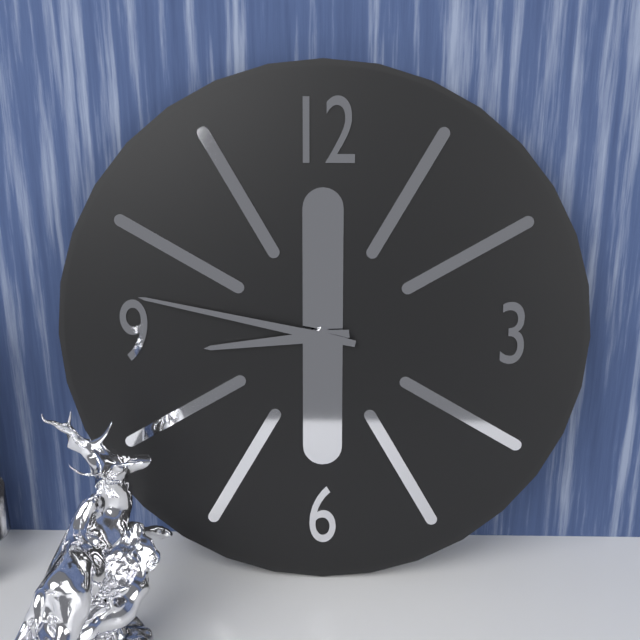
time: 8:47
